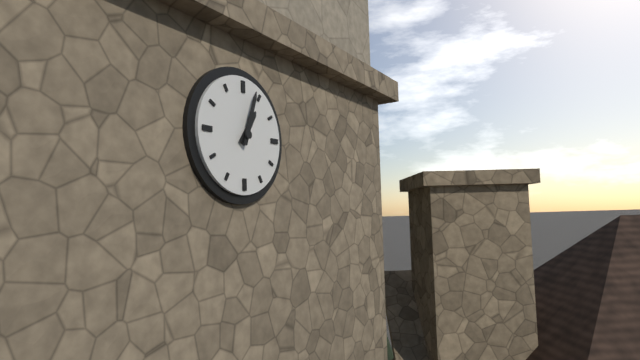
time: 1:03
